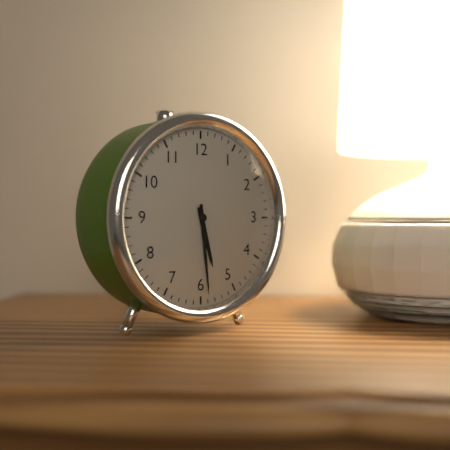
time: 5:29
